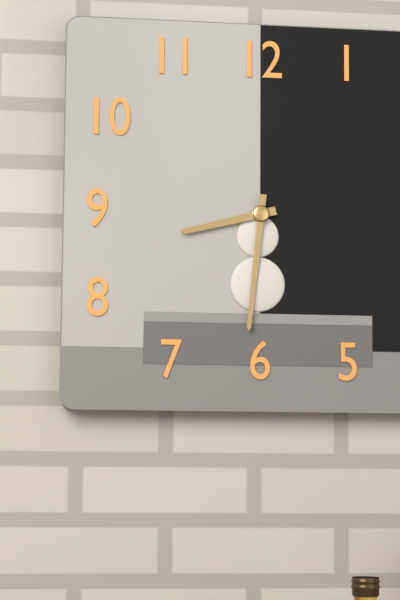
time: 8:31
